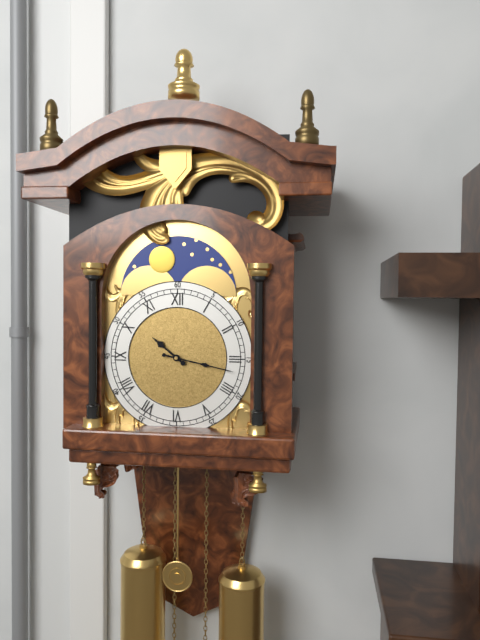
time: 10:17
